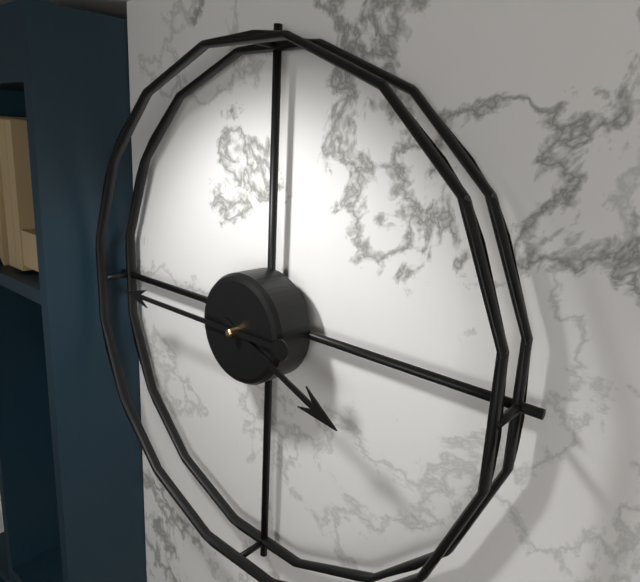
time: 3:45
